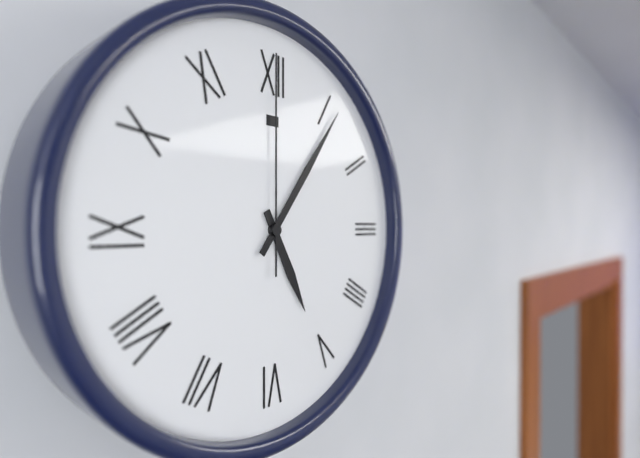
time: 5:06:00
